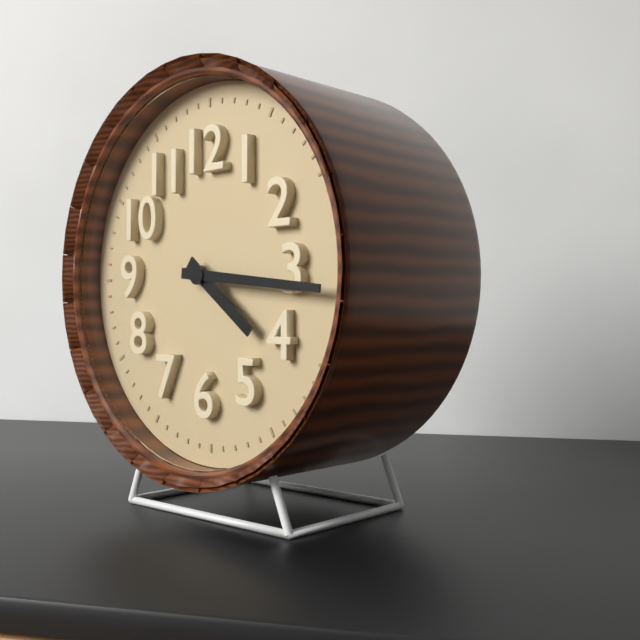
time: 4:16
